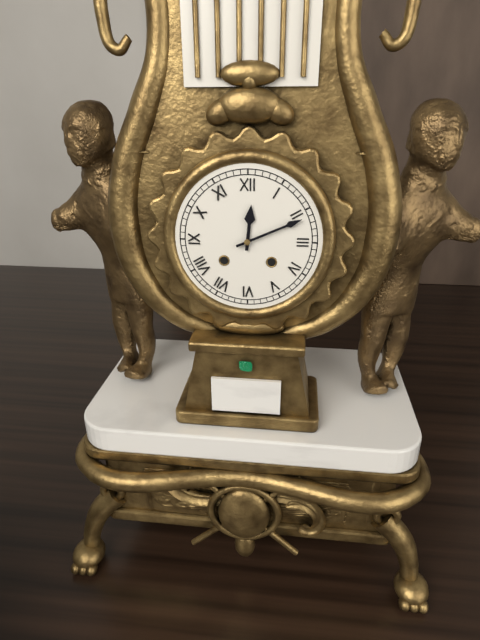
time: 12:11
